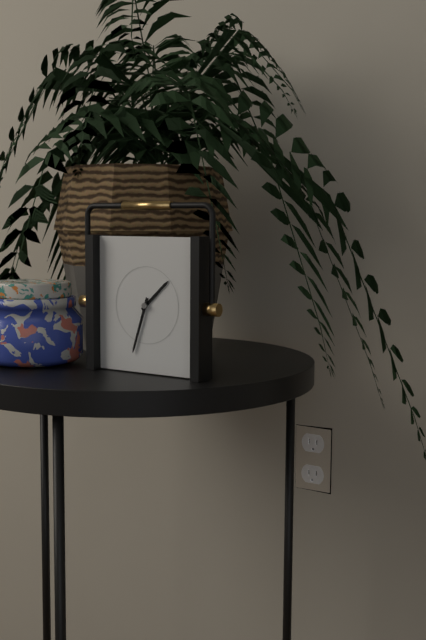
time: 1:33
